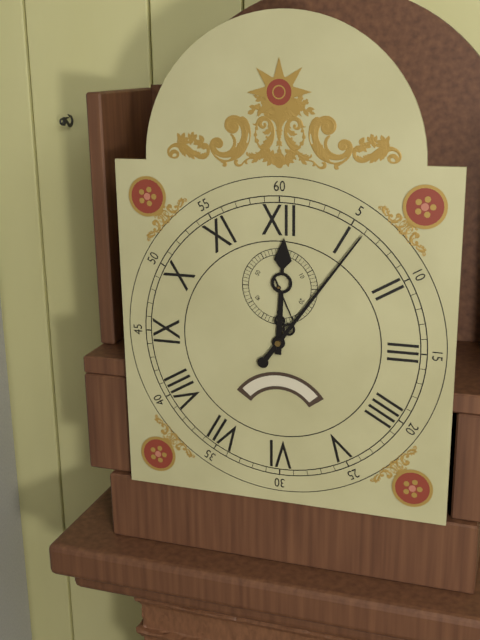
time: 12:06
